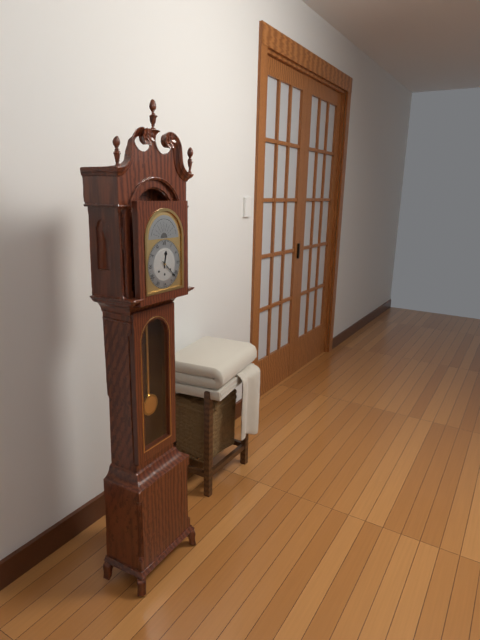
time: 12:22
